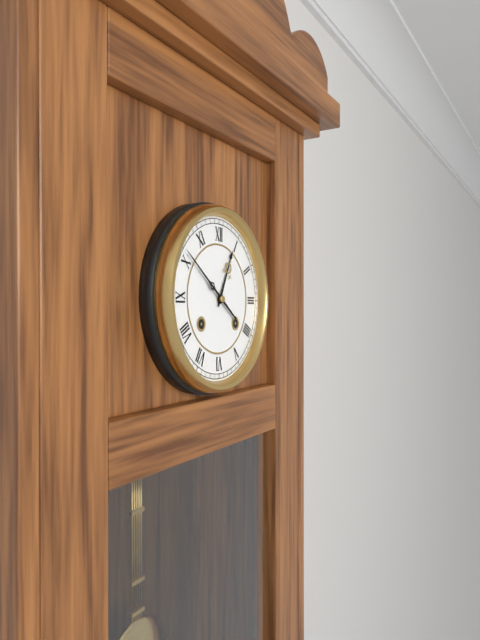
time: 12:51
